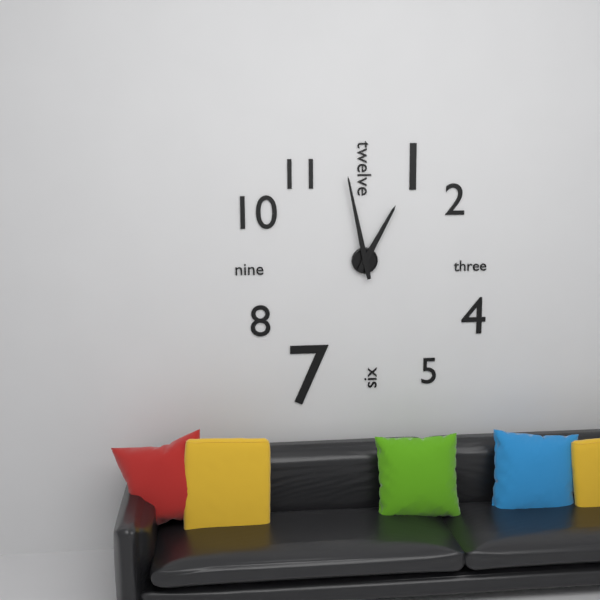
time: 12:58
